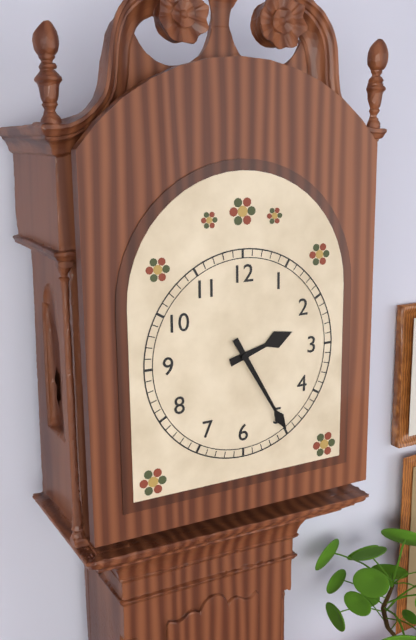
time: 2:25
